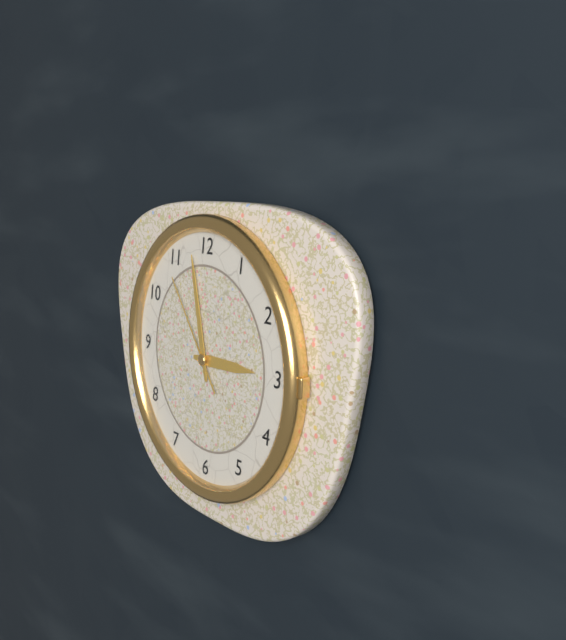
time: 2:58:54
